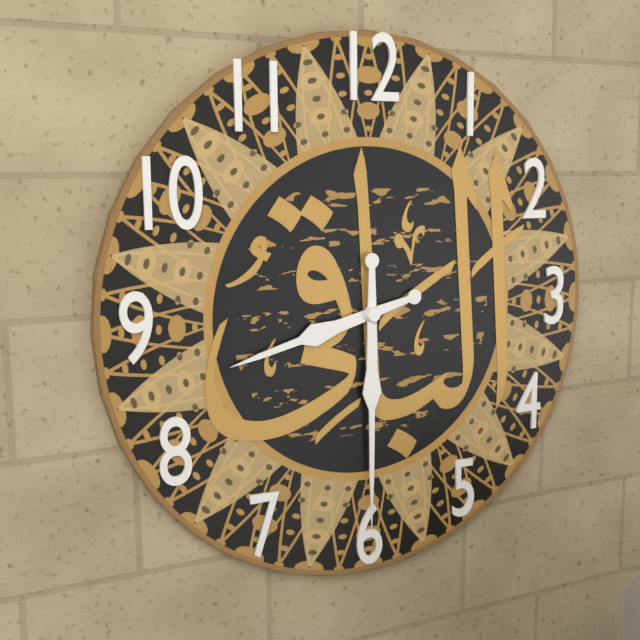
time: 8:30
